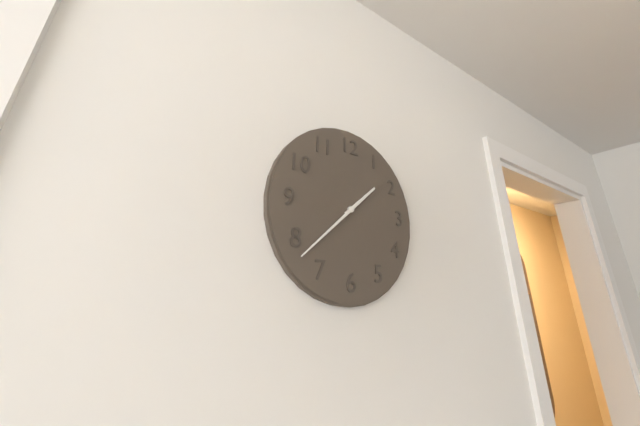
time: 1:38
